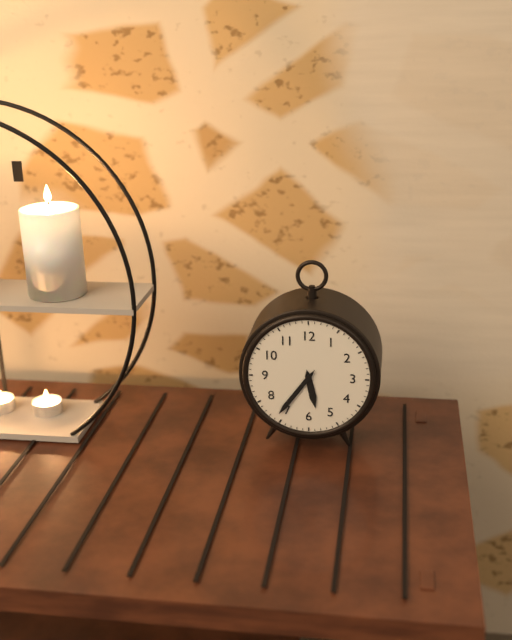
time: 5:36
